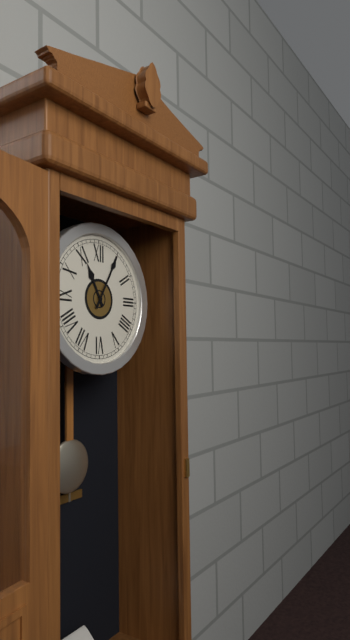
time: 11:05
